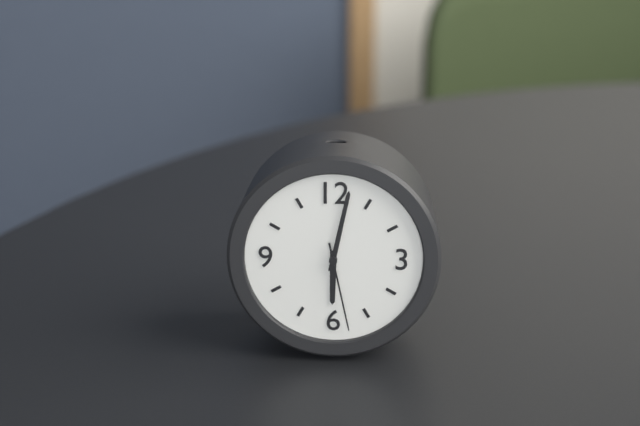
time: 6:02:28
